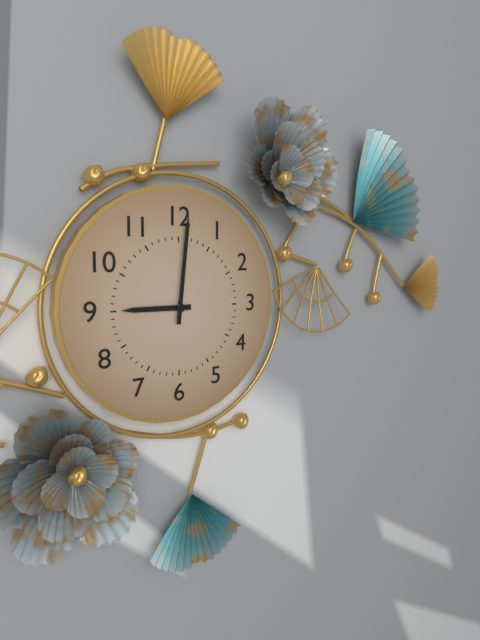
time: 9:01
